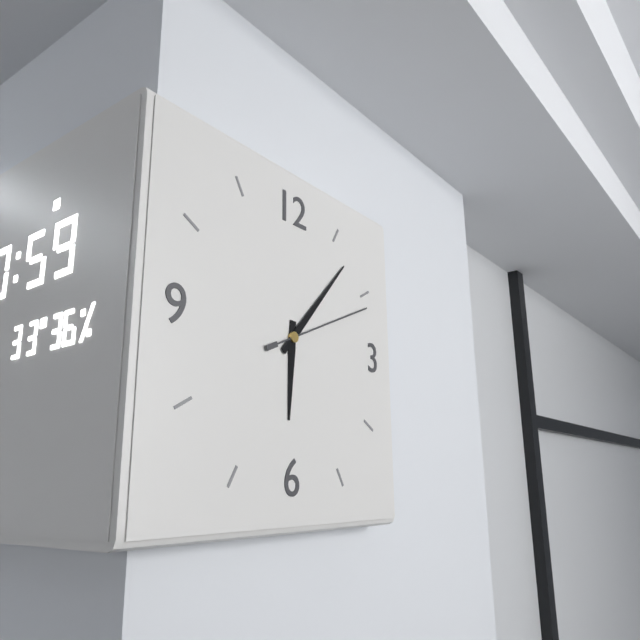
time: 6:07:11
